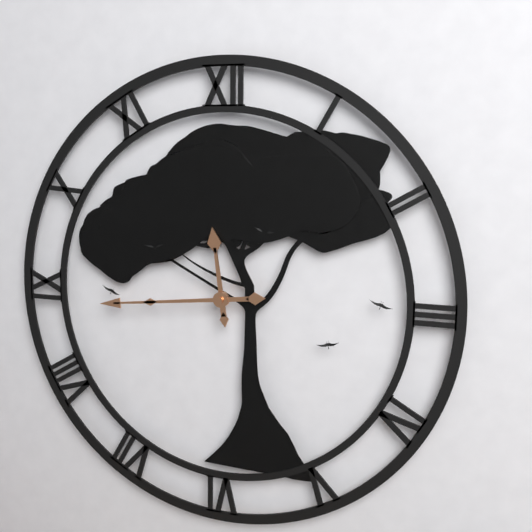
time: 11:44
